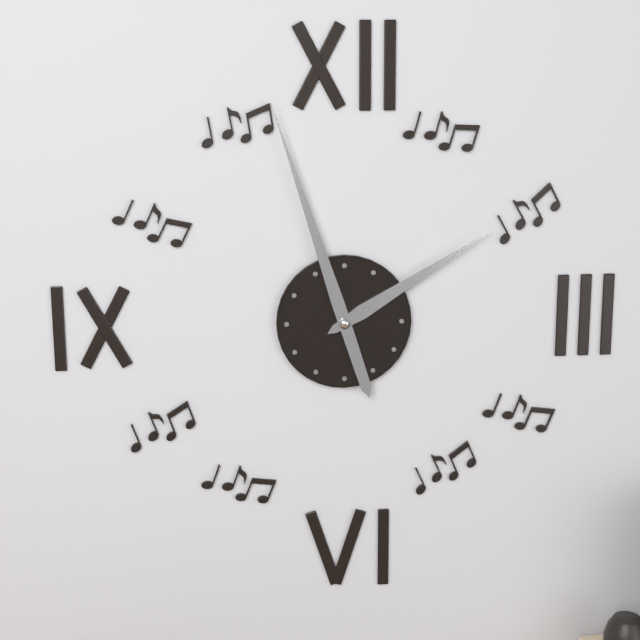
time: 1:57
